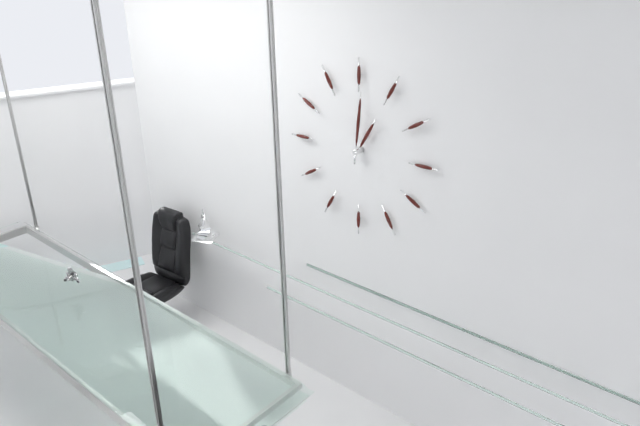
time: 1:01
